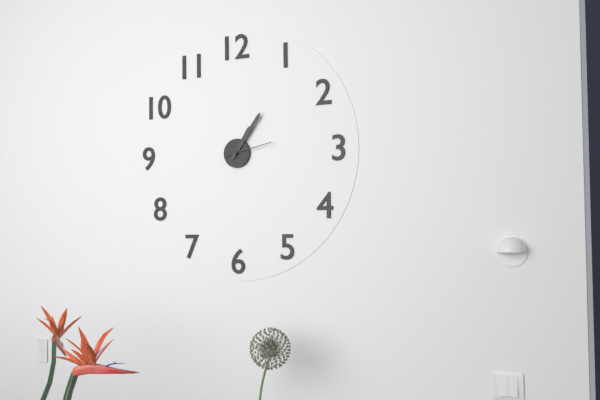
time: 1:06
